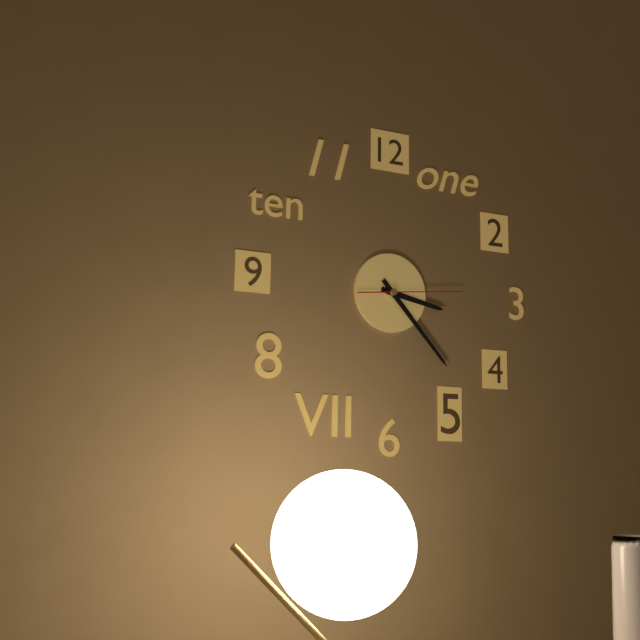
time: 3:23:14
